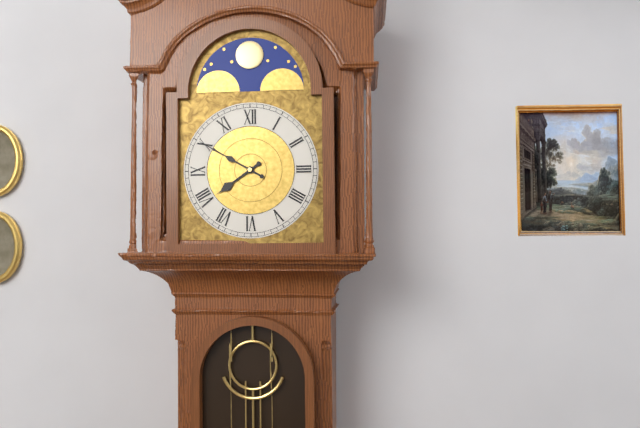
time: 7:50
